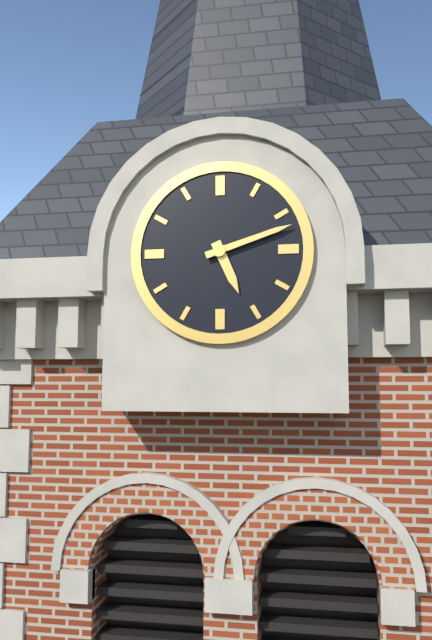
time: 5:12
